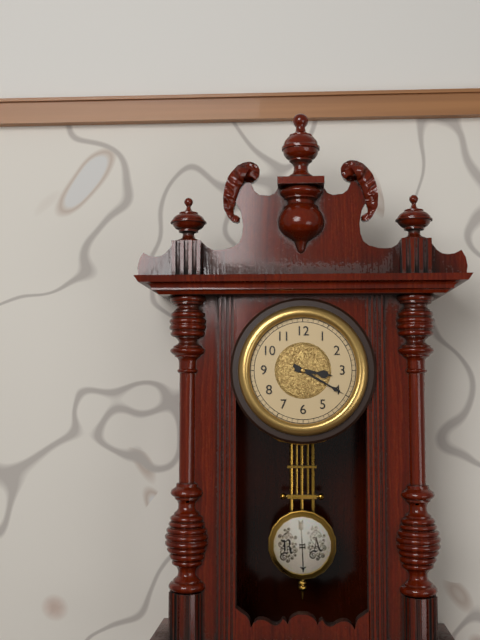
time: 3:20
